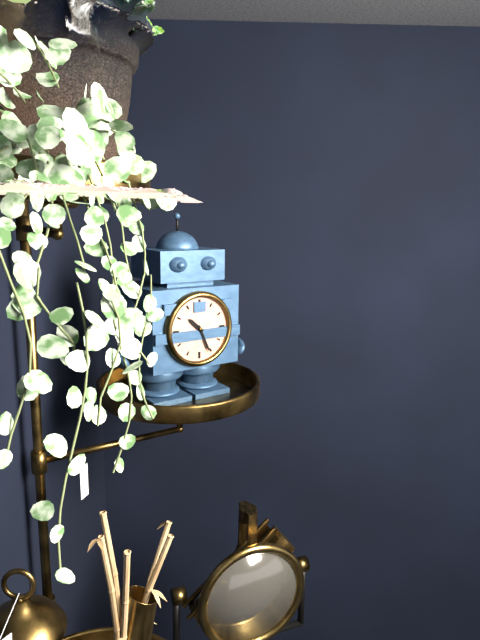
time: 10:26
